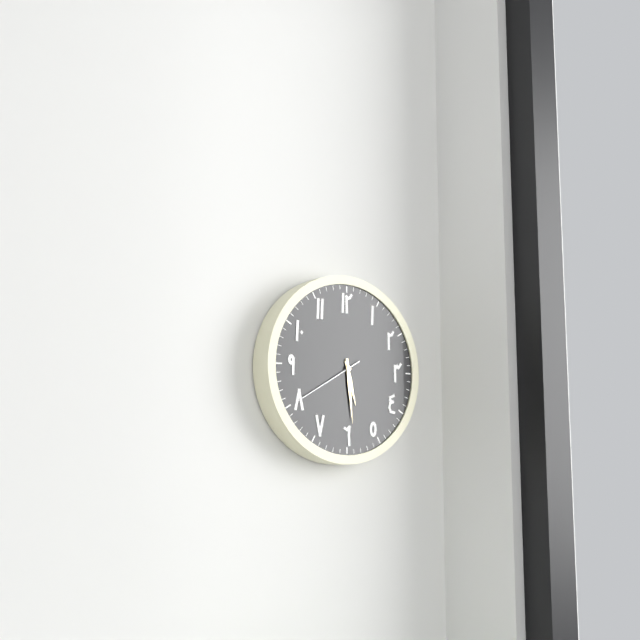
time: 5:29:40
